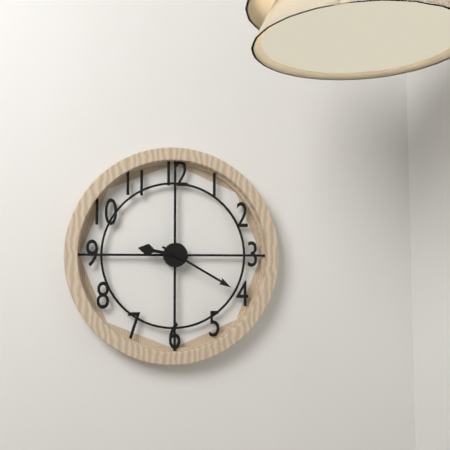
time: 9:20
